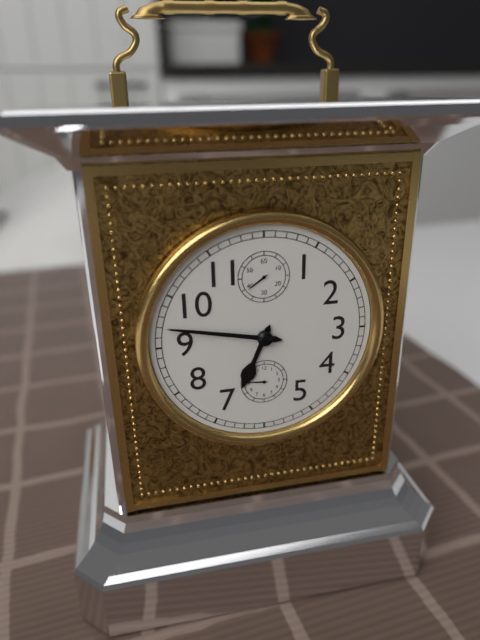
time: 6:47
